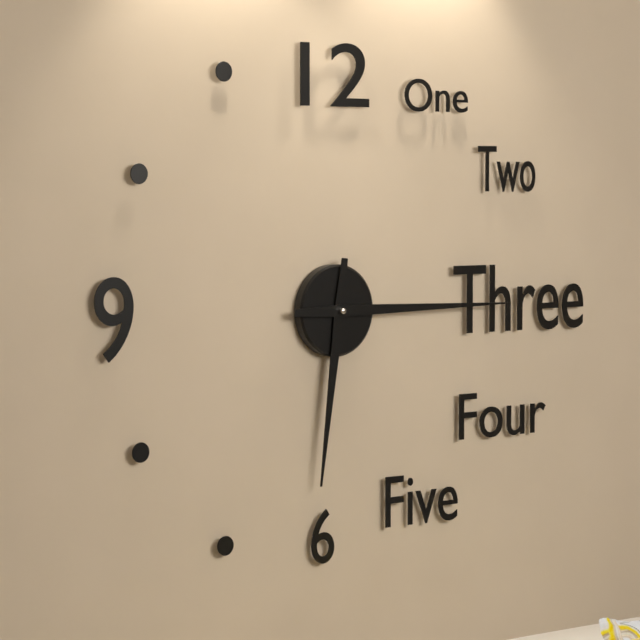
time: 6:15
